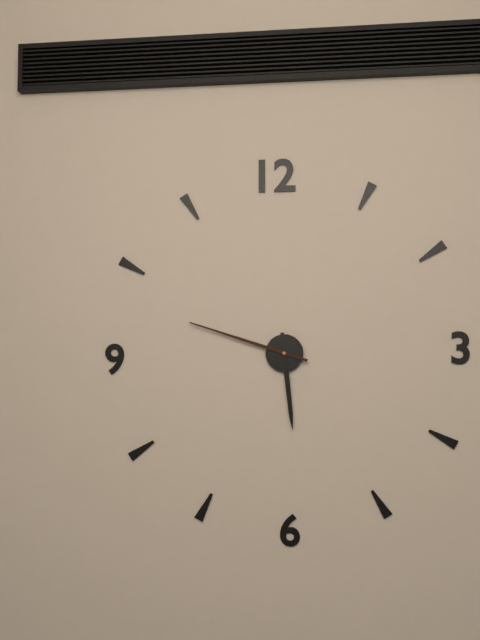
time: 5:48
